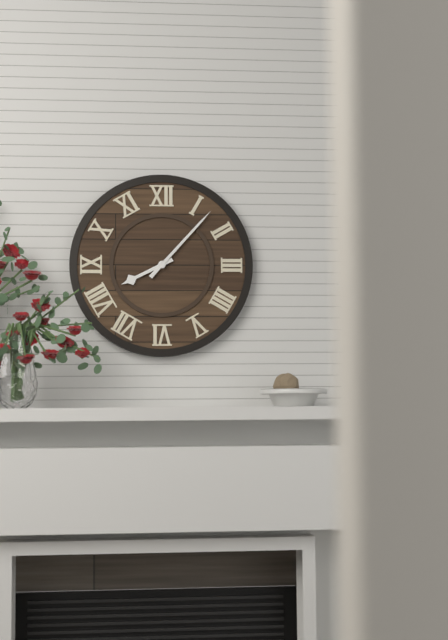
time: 8:07
